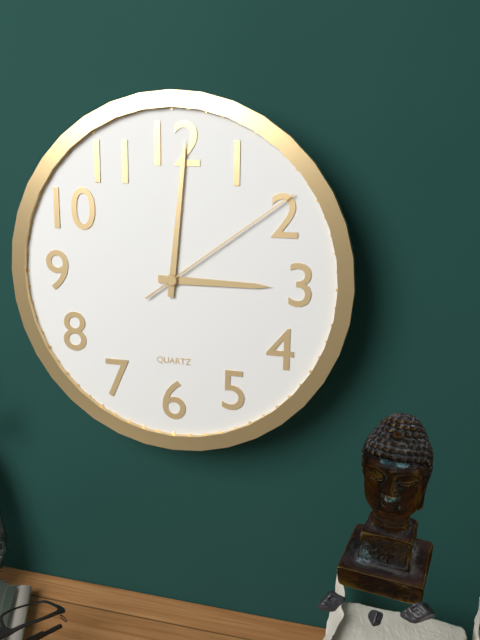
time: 3:01:09
